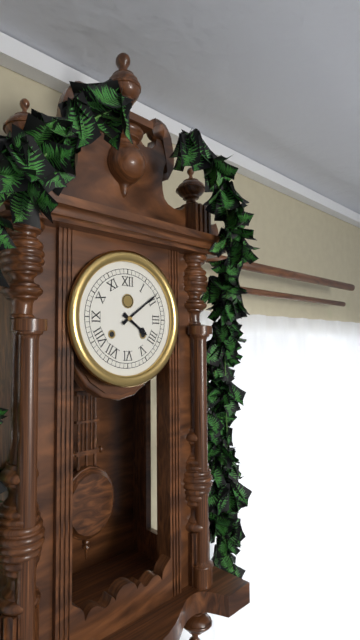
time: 4:09
